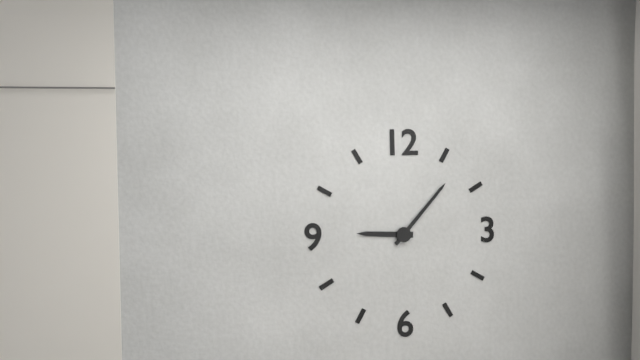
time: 9:07
